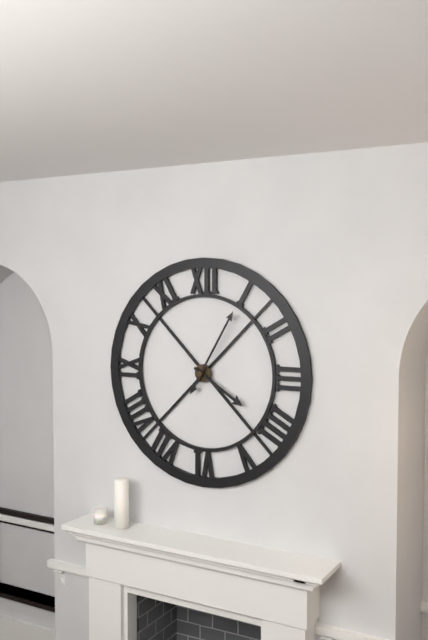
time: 4:05
